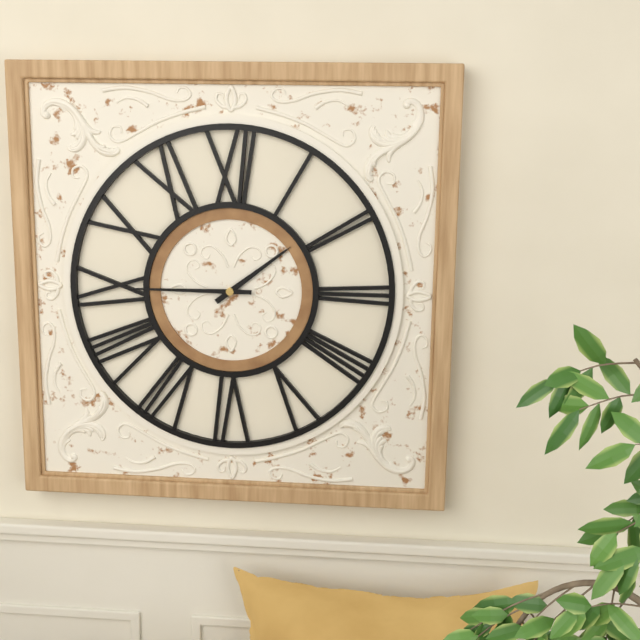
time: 1:45
